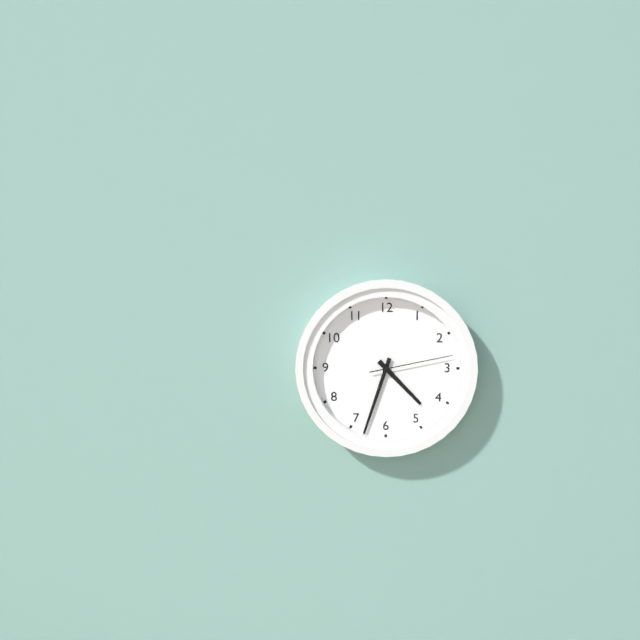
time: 4:33:13
